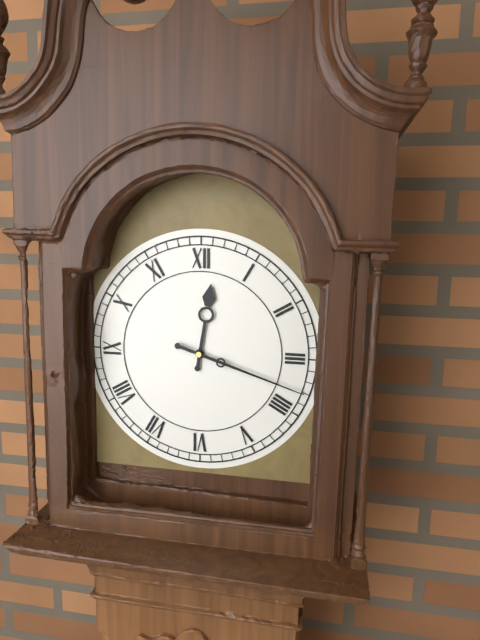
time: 12:18
